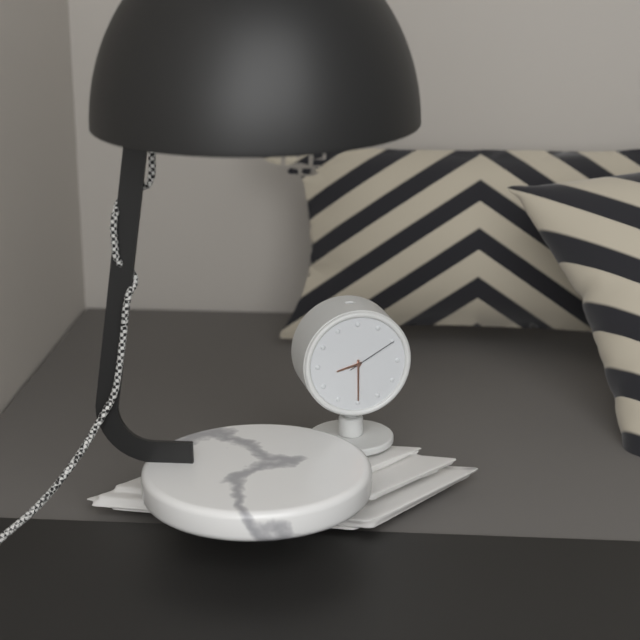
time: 8:30:10
